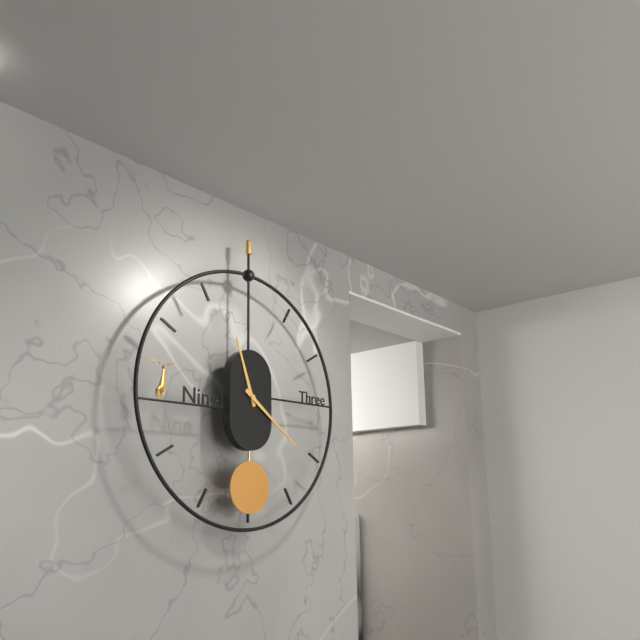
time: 11:21
